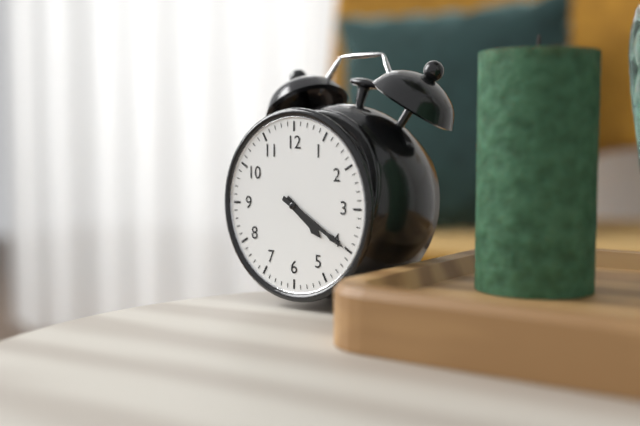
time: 4:20
